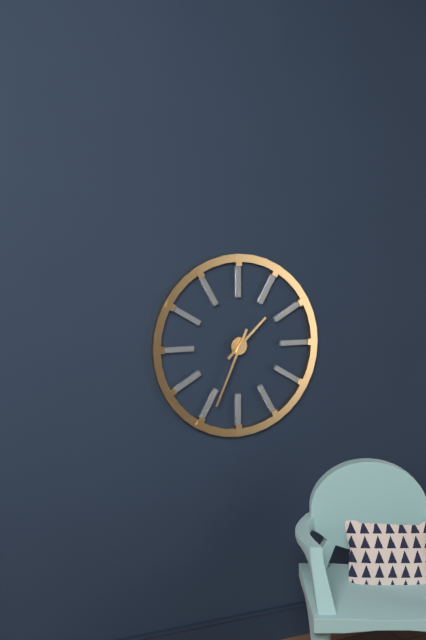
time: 1:34
